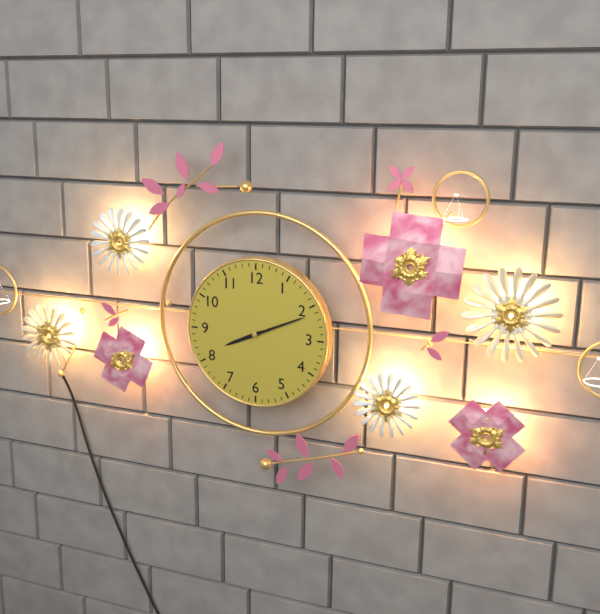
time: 8:11
